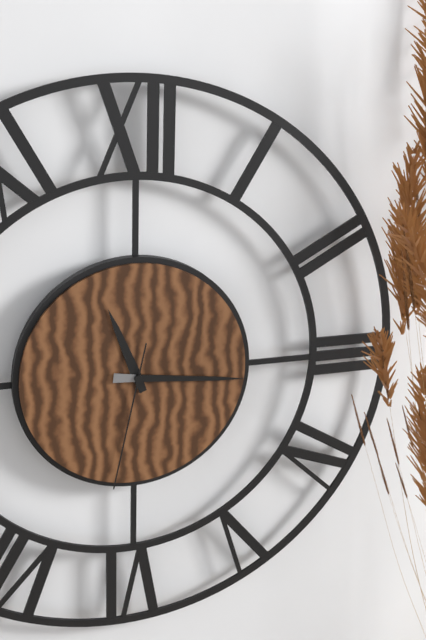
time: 11:16:32
